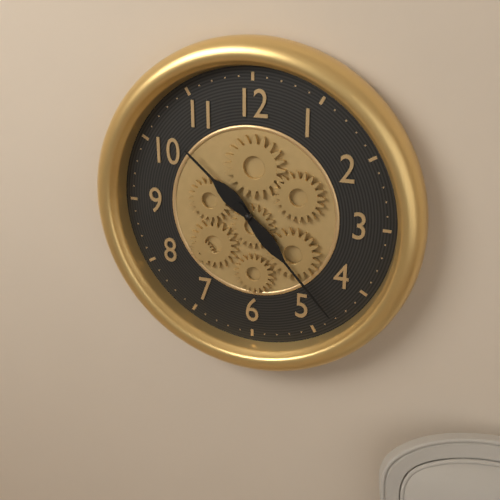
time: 10:23
